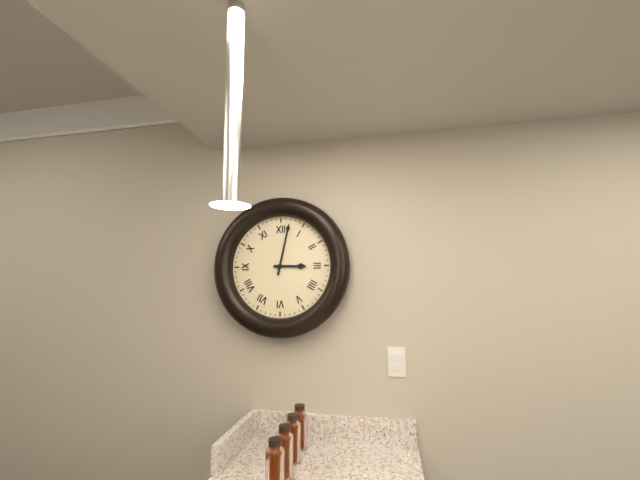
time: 3:02
